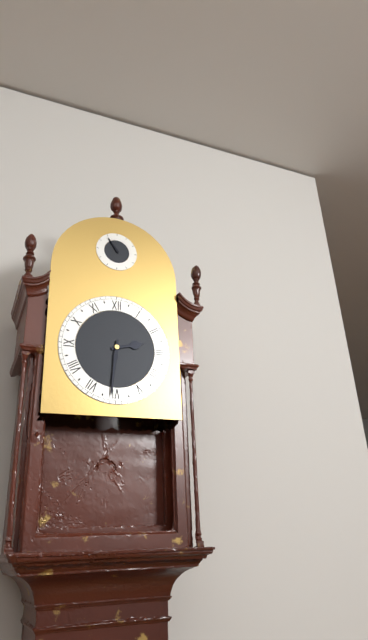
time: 2:31
